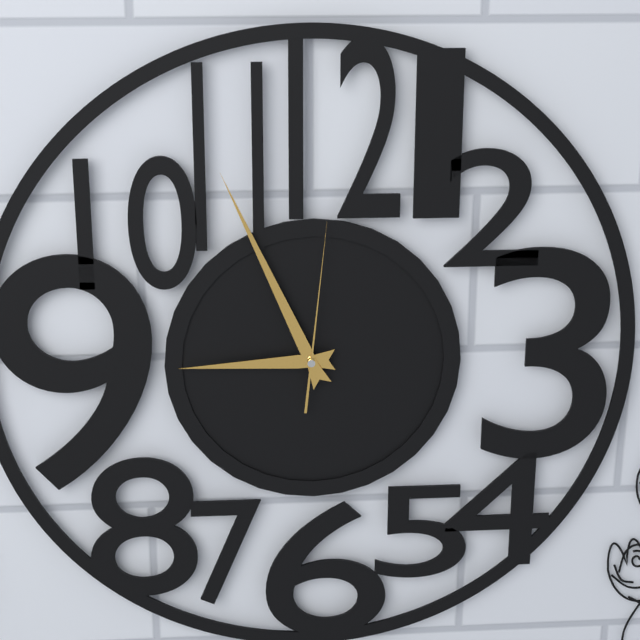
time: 8:56:01
